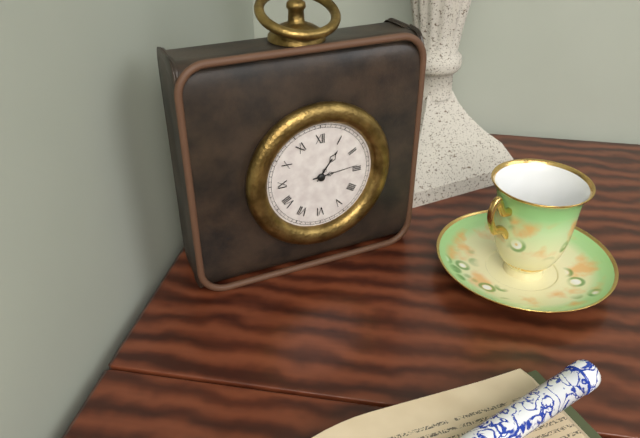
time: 1:14
